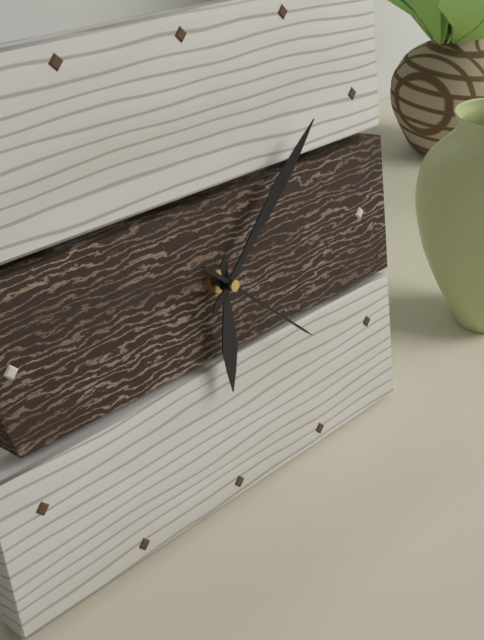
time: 6:08:22
